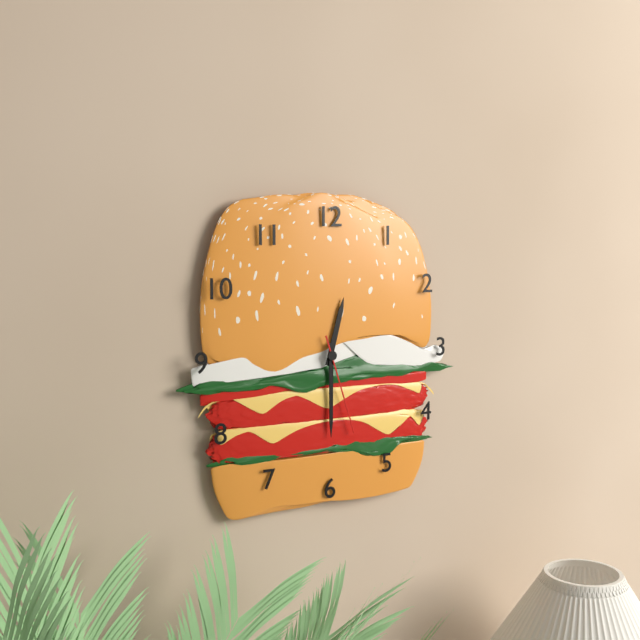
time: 12:30:27
